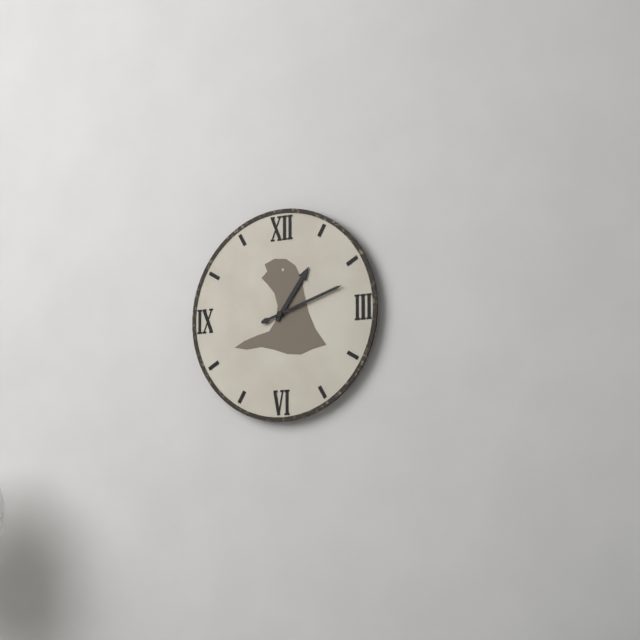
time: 1:12
